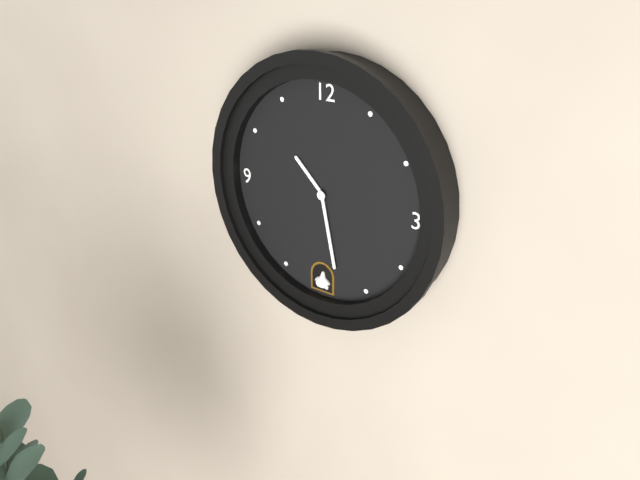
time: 10:28
